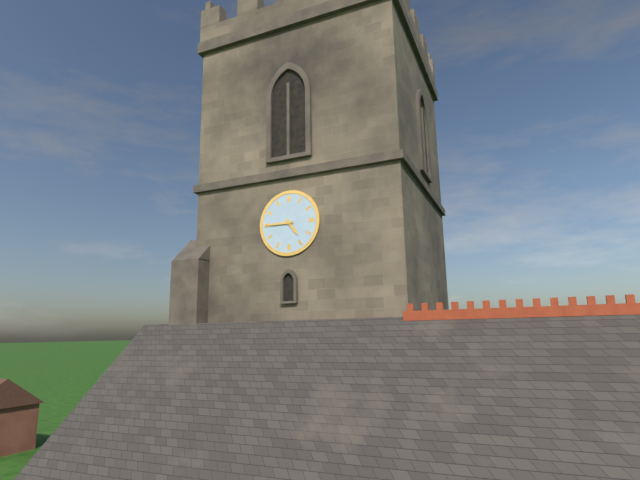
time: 4:45
